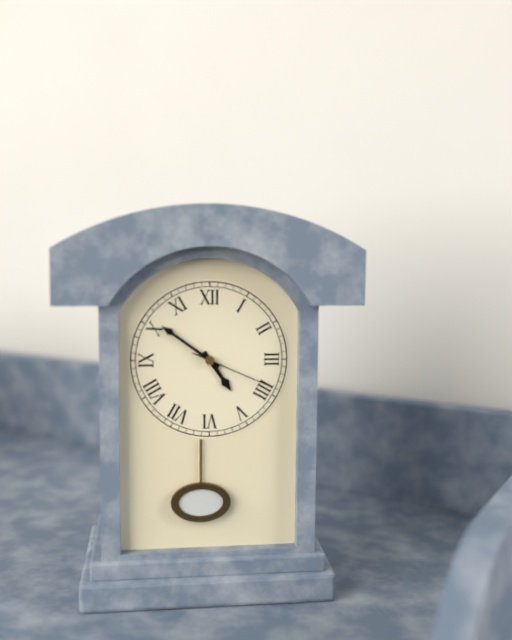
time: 4:51:19
